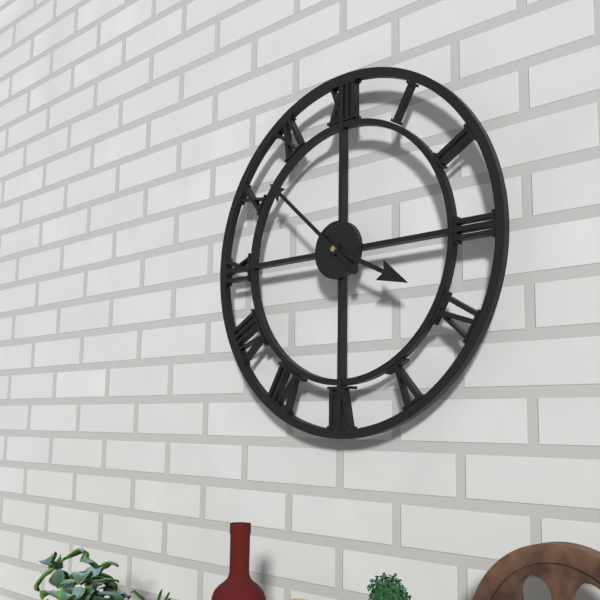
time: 3:52
